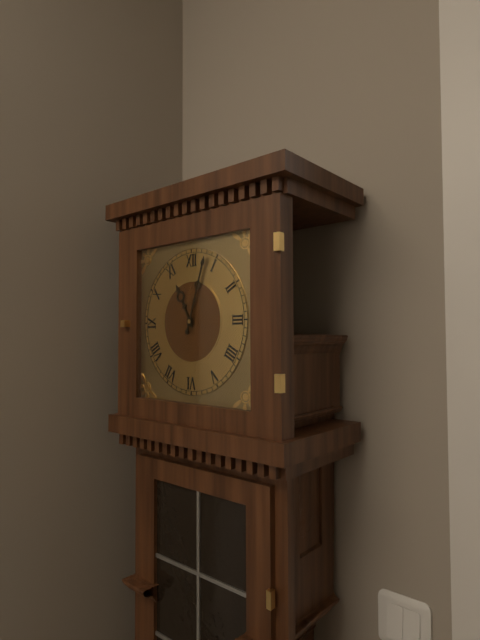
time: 11:03
